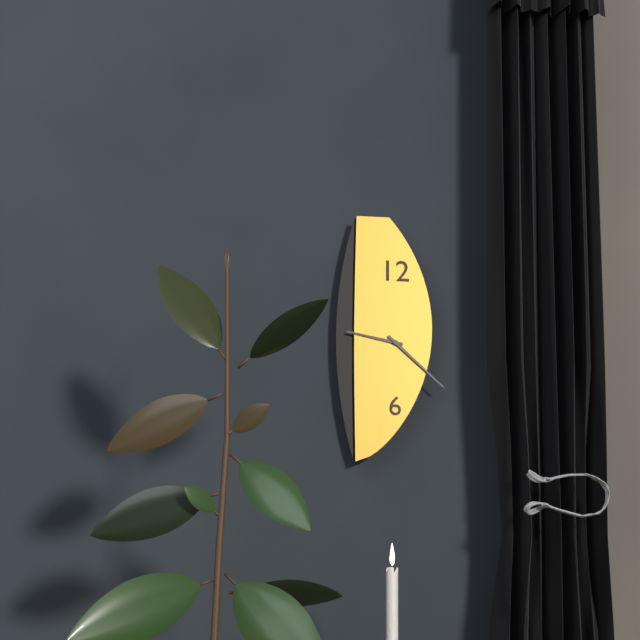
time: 9:22
